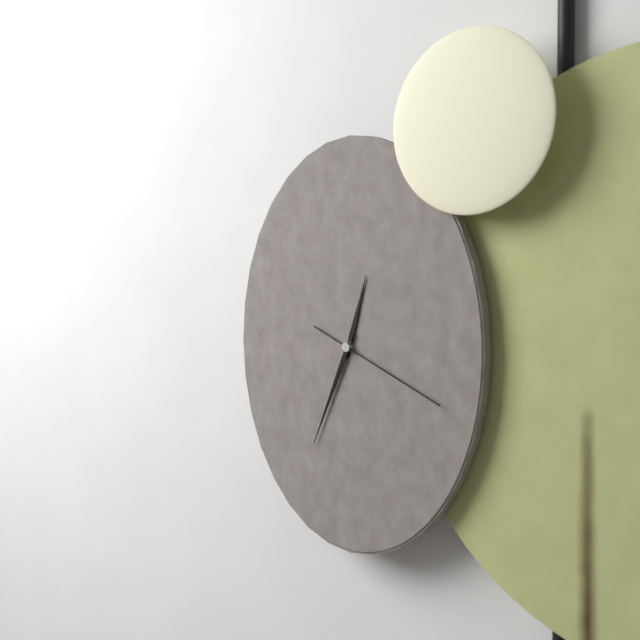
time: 12:34:19
